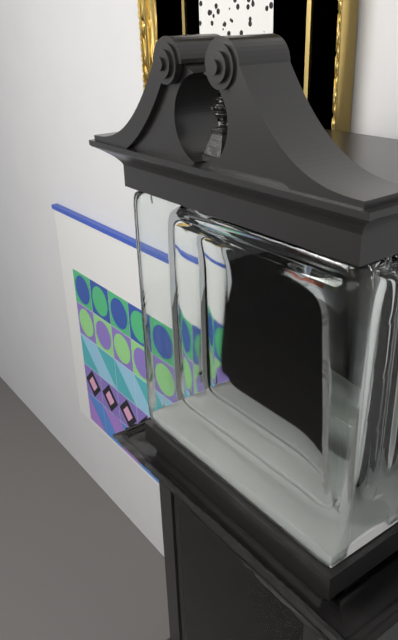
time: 3:54
